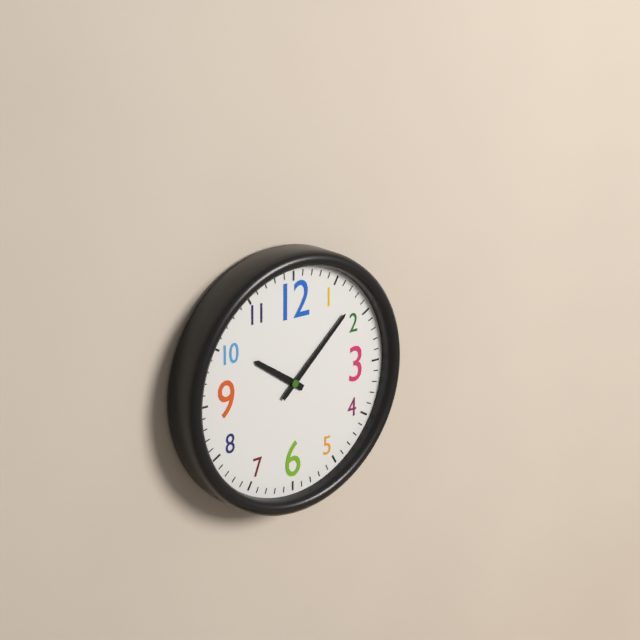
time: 10:08
